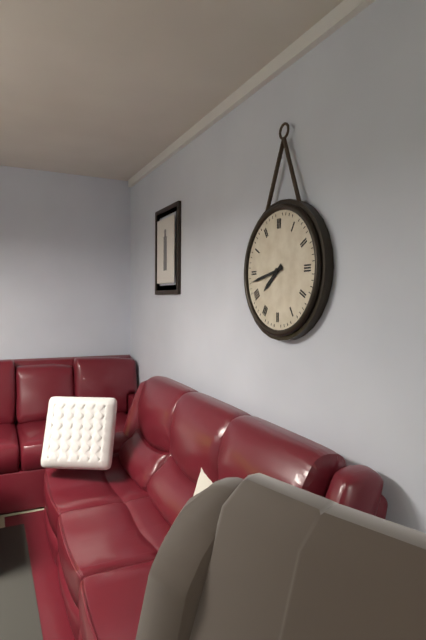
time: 7:43
